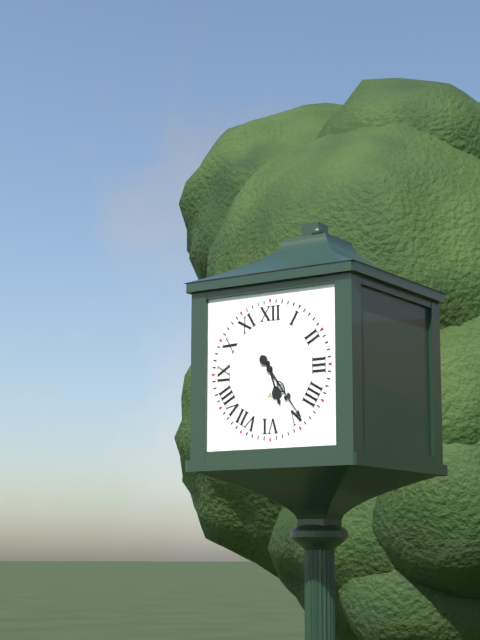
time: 5:24
